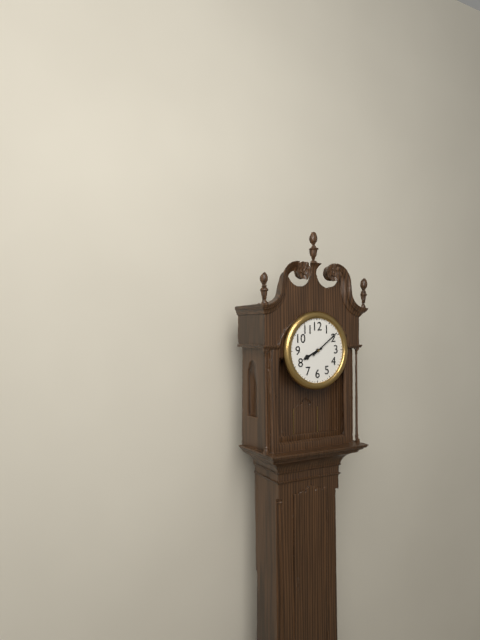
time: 8:09
